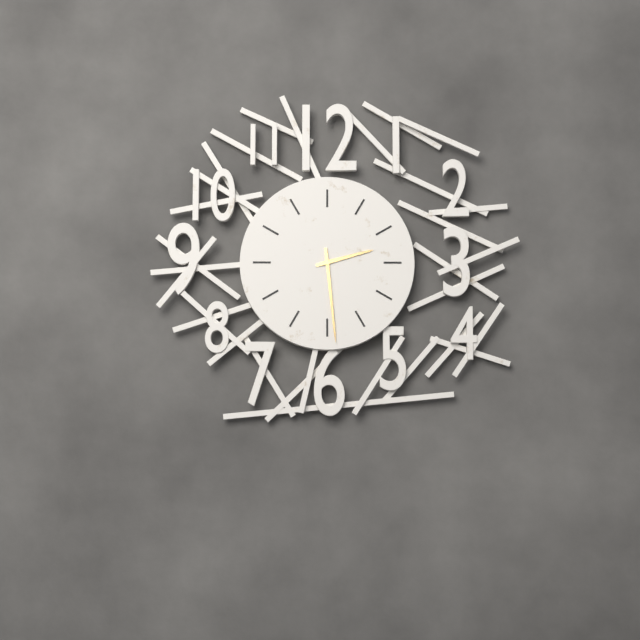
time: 2:29
